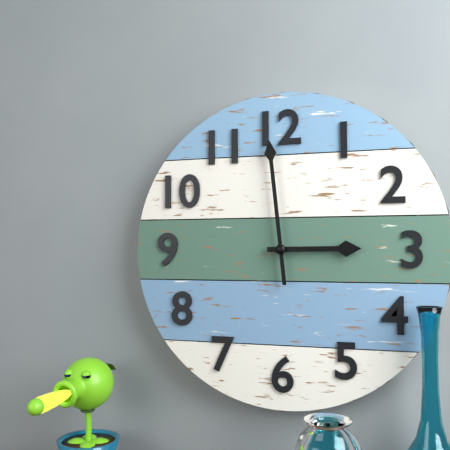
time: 2:59
